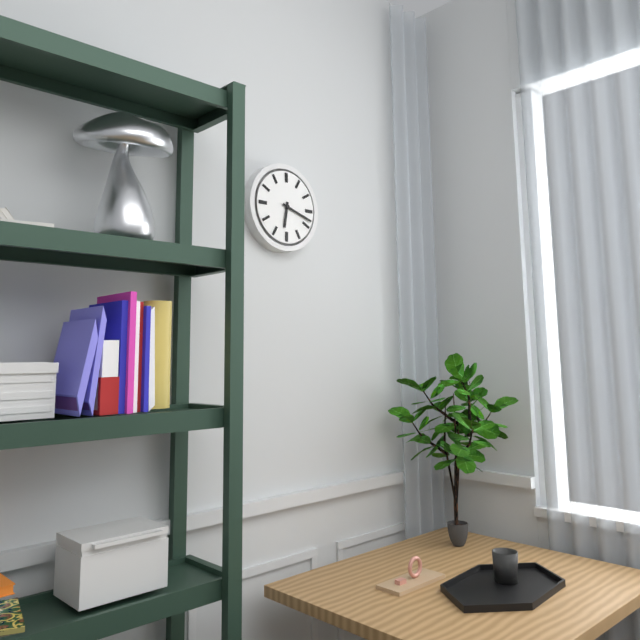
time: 6:18
